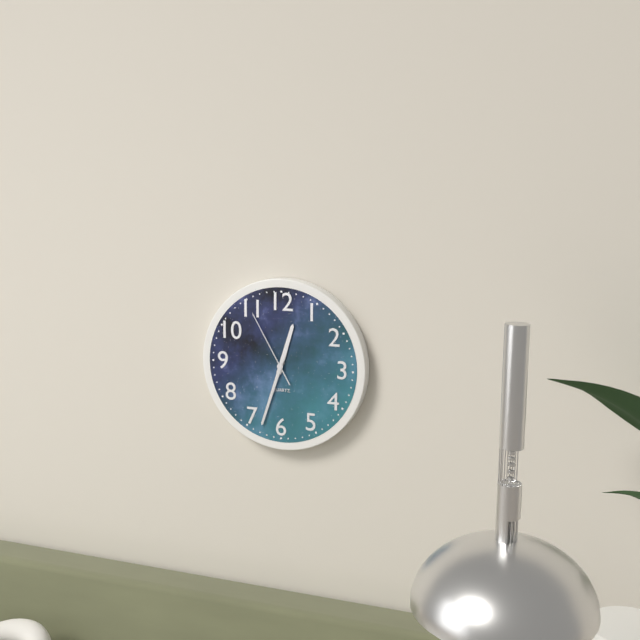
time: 12:33:55
